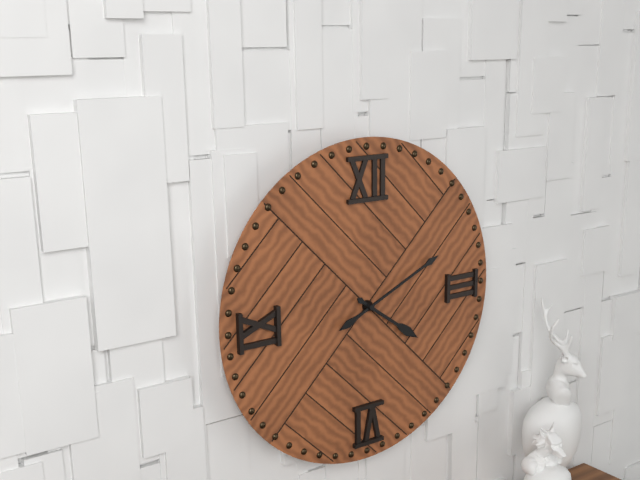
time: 4:11
